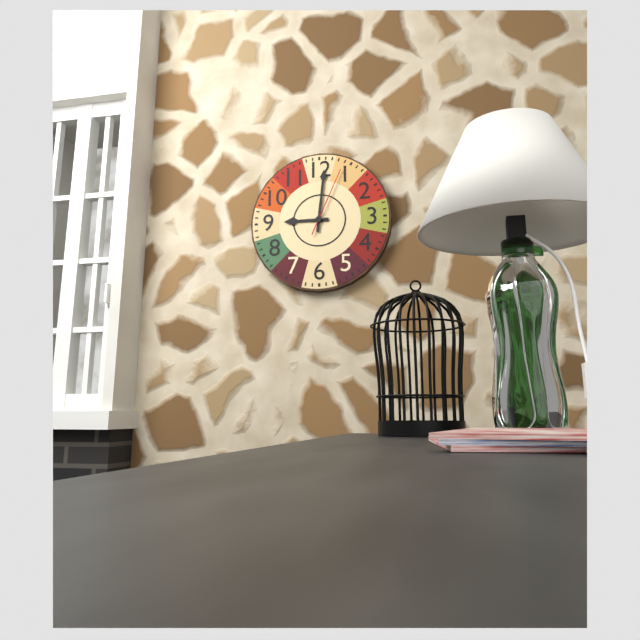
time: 9:01:04
